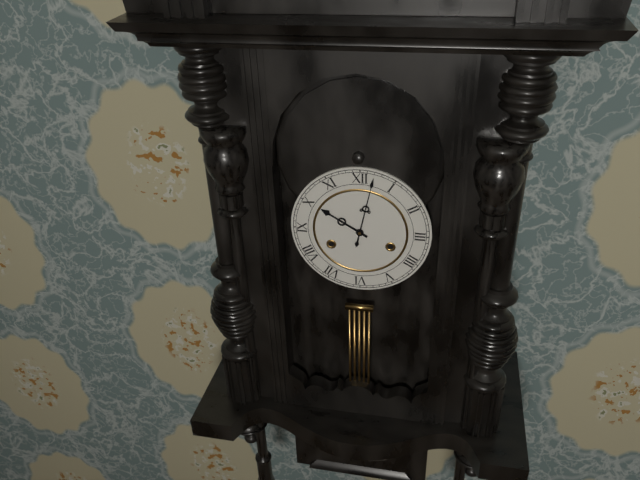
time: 10:02
